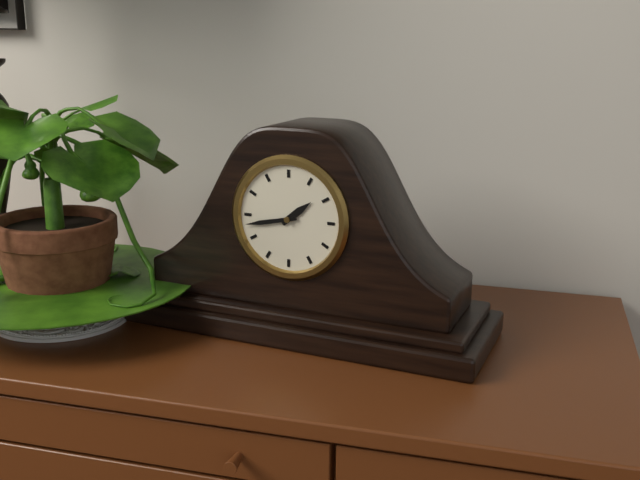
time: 1:43
